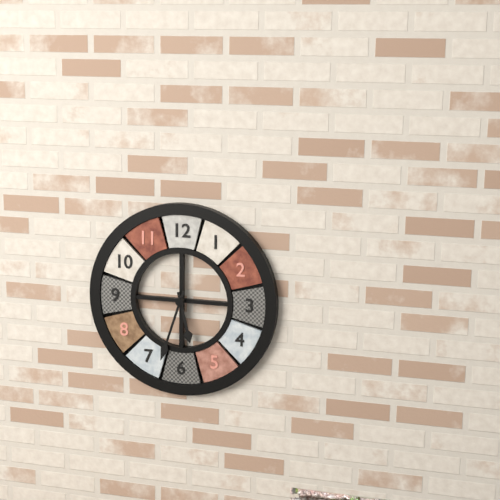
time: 5:33
